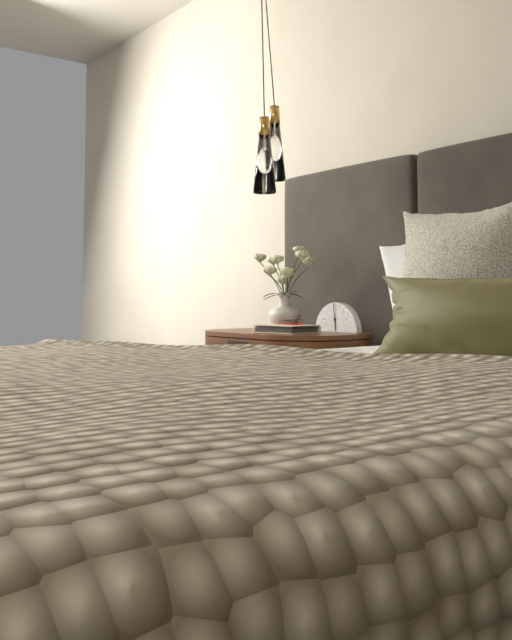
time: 5:59
